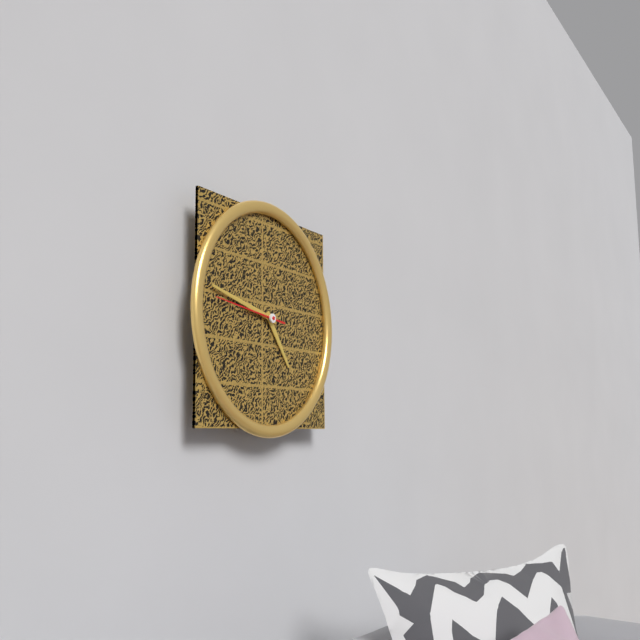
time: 4:47:46
